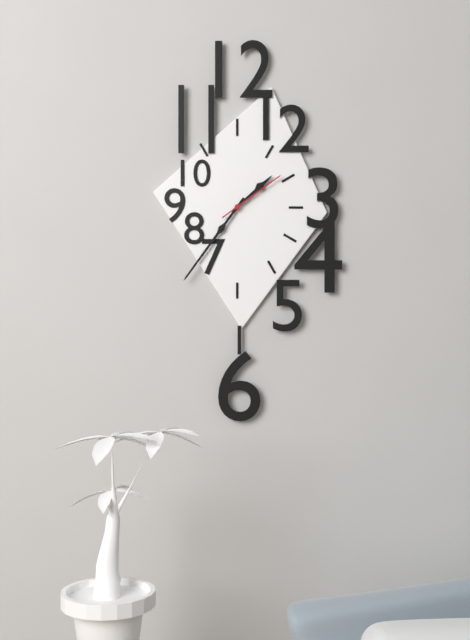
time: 1:36:09
